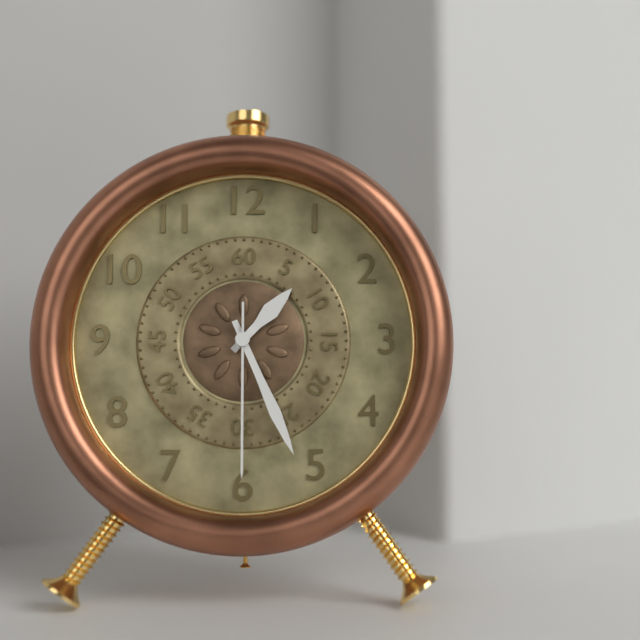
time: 1:26:30
